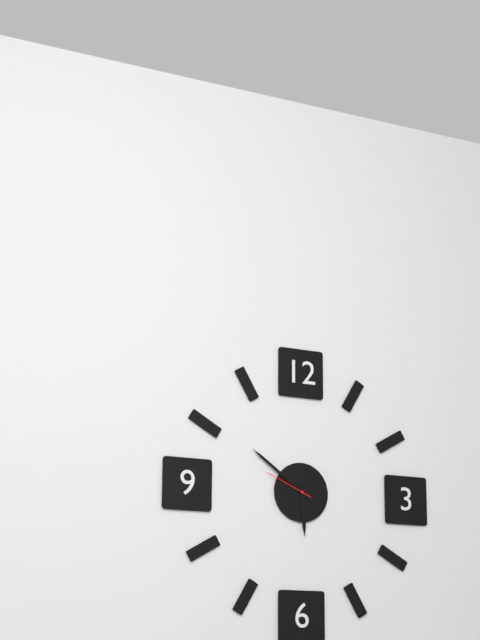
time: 5:51:49
